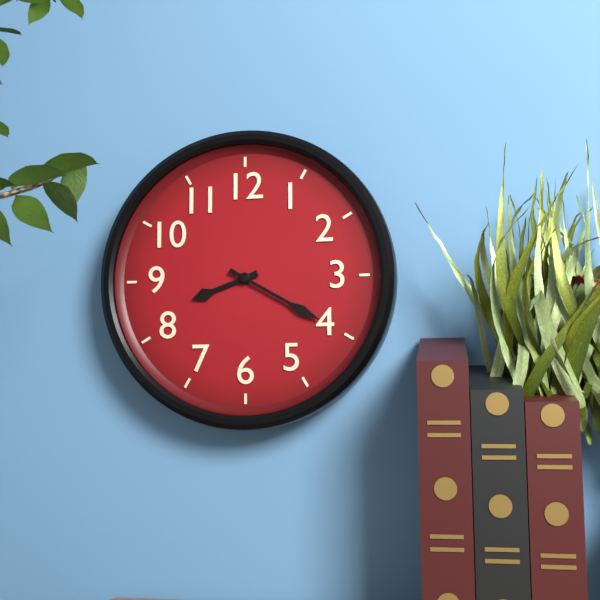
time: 8:20
